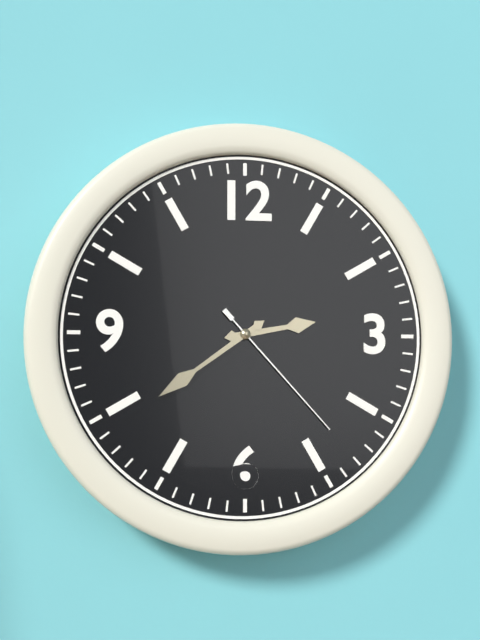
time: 2:39:23
